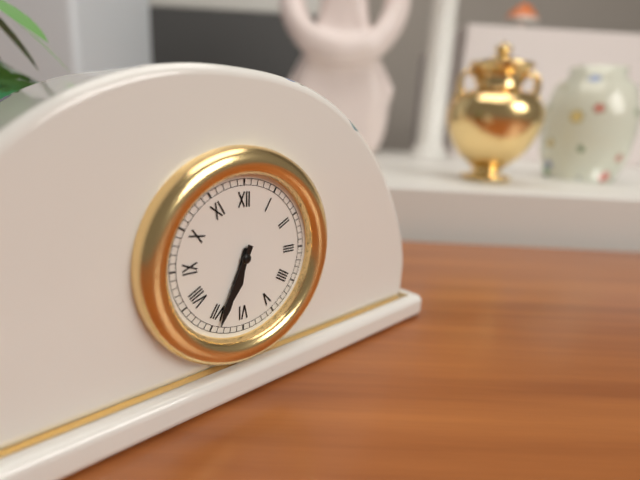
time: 6:34
